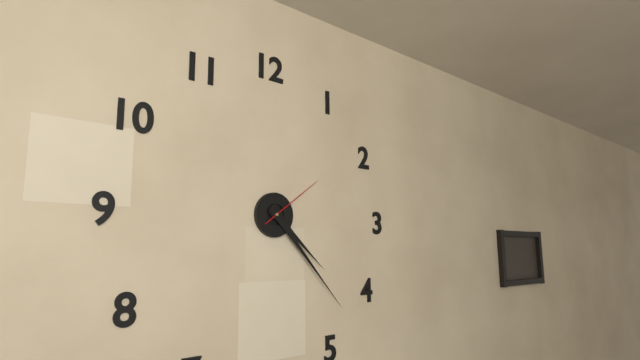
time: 4:23:09
